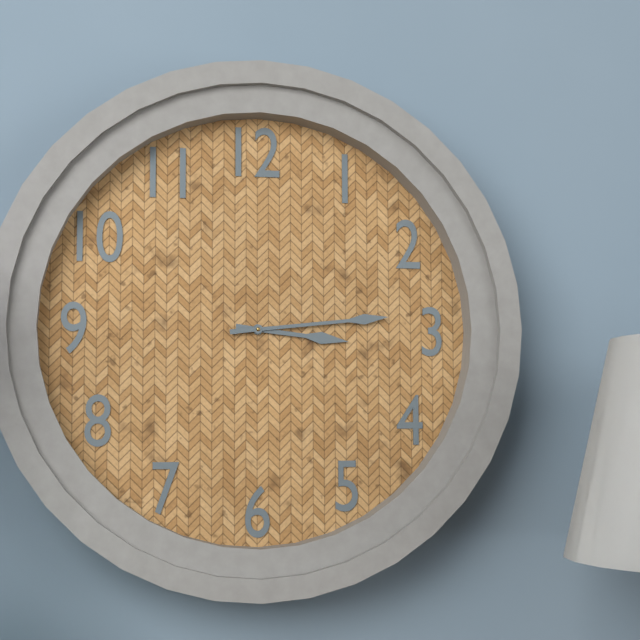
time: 3:14
